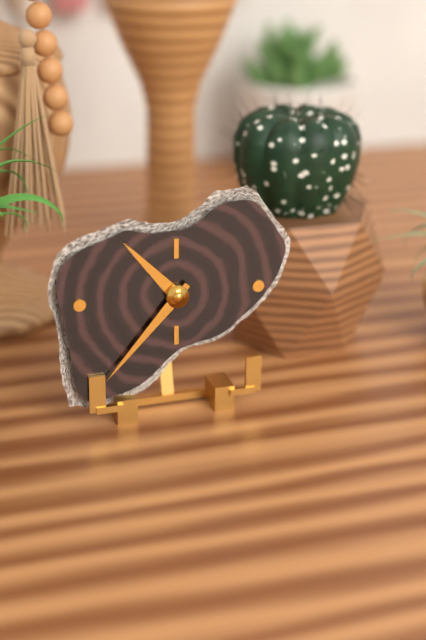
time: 10:37
